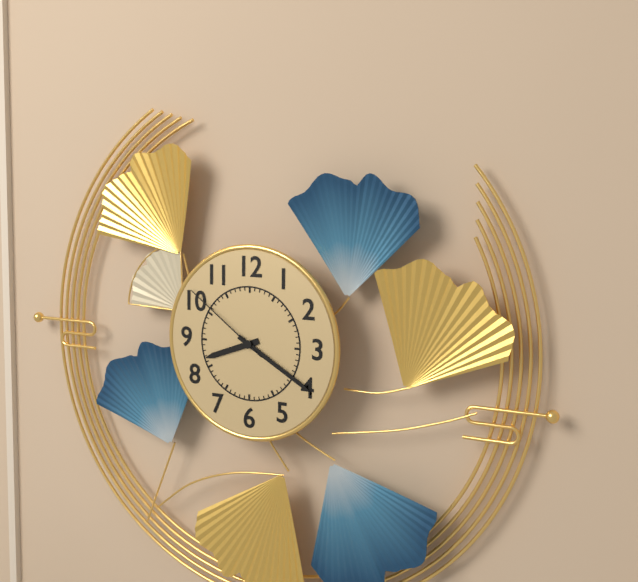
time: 8:20:51
